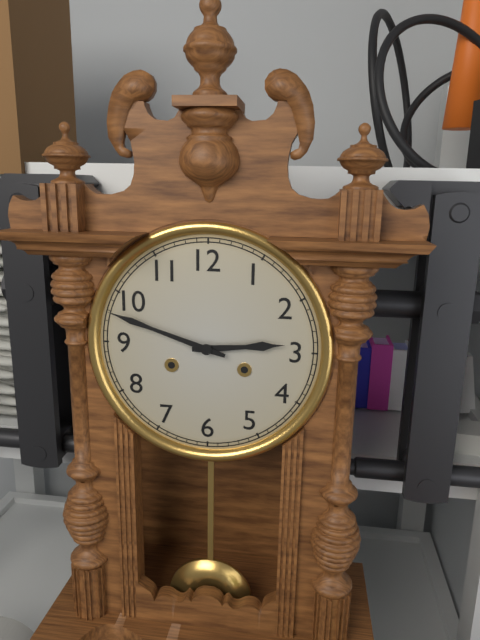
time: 2:48
